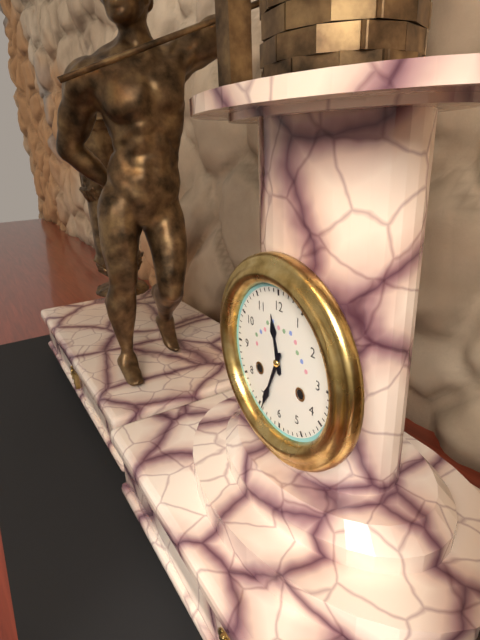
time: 11:34
